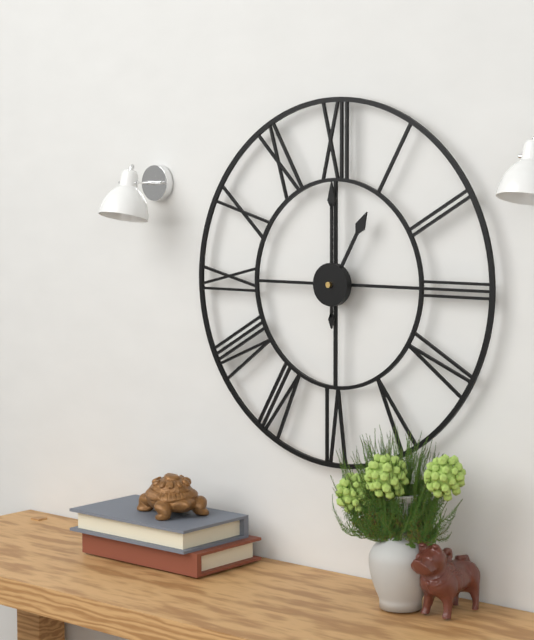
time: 1:00
